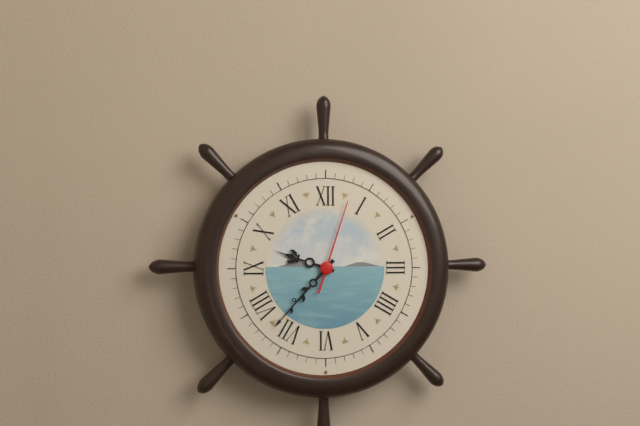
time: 9:37:03
